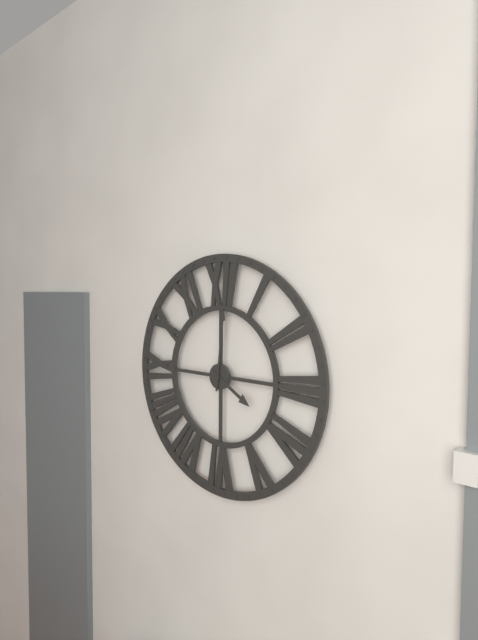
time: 4:01
